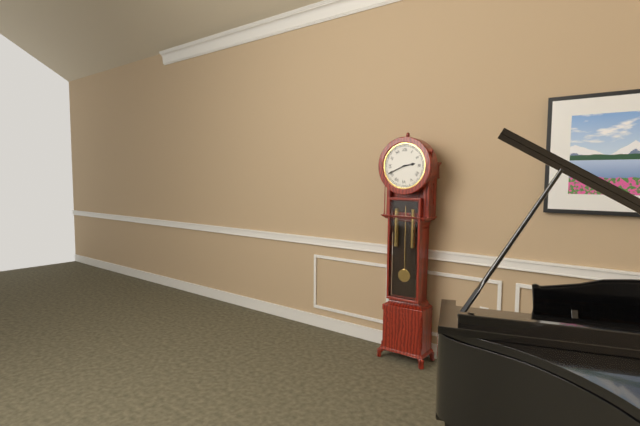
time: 2:41
